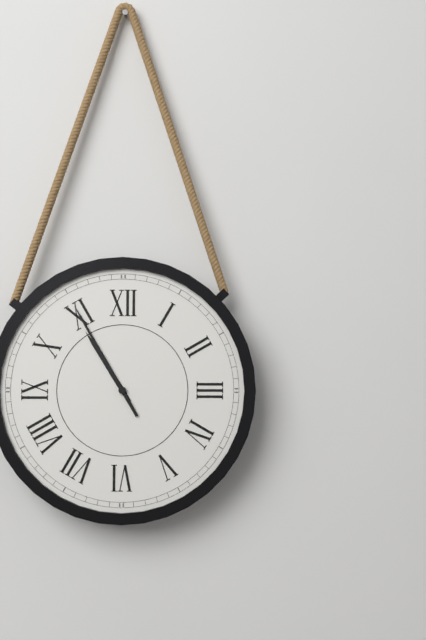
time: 10:55
